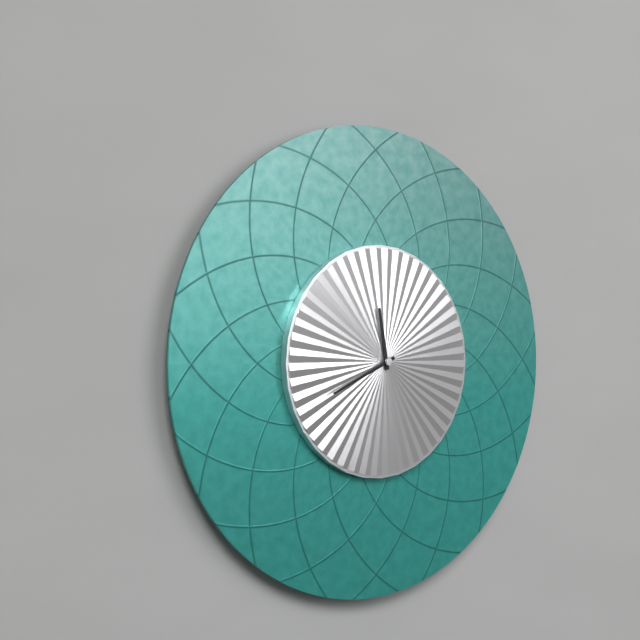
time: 11:41
